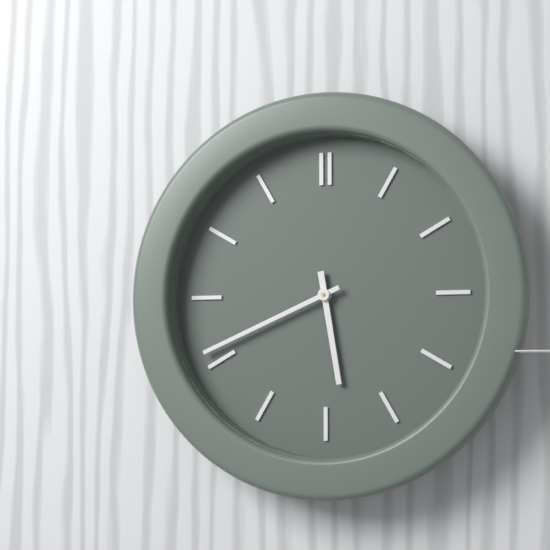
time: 5:41
